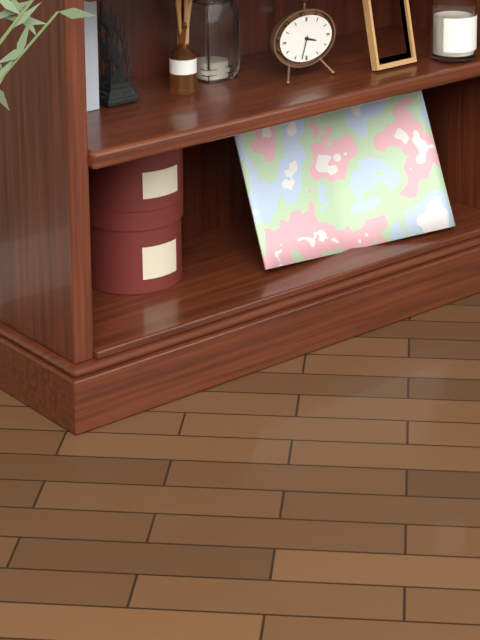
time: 3:33
